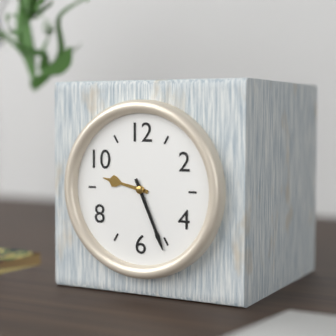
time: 9:26
